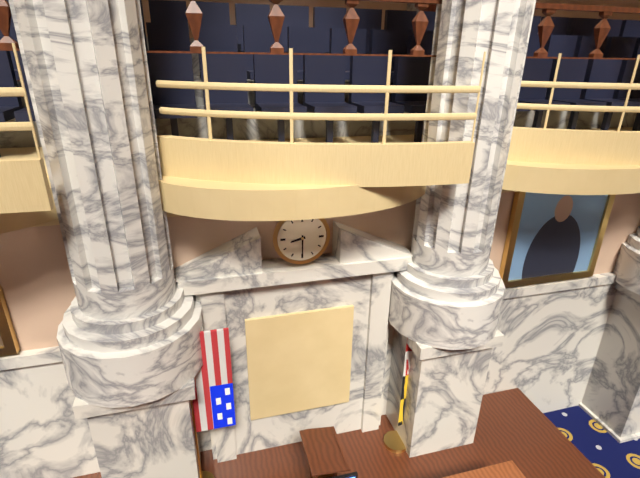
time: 8:30
